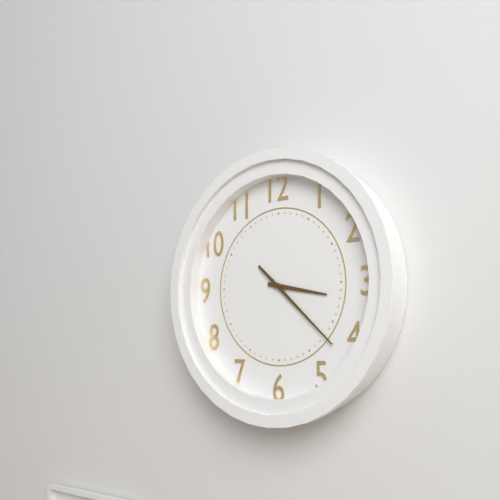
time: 3:22
